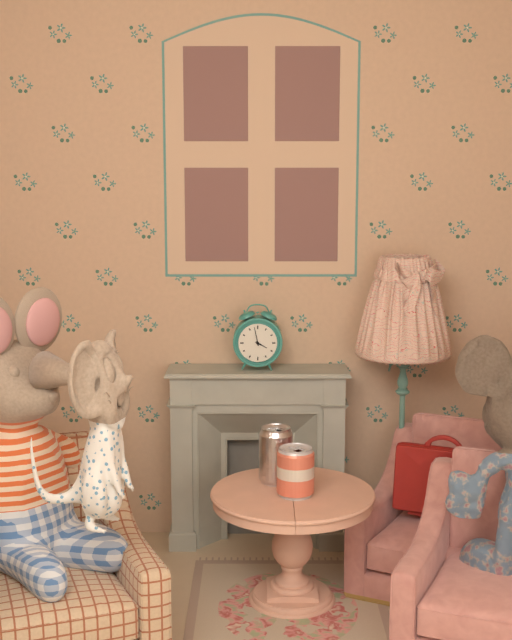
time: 3:58
